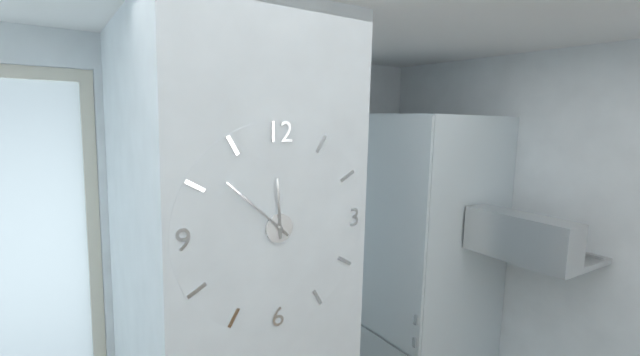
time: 11:52
